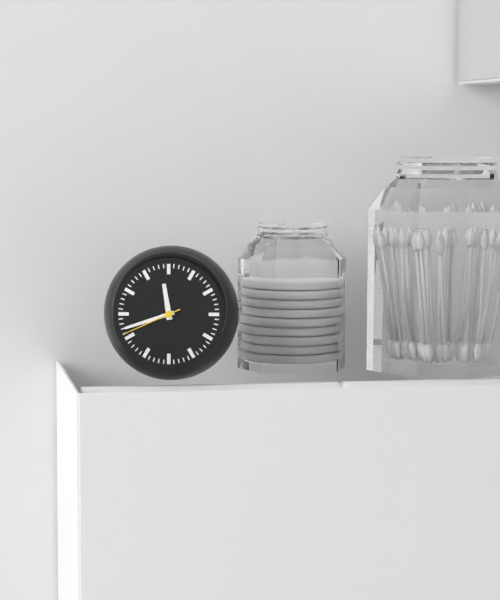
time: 11:42:41
